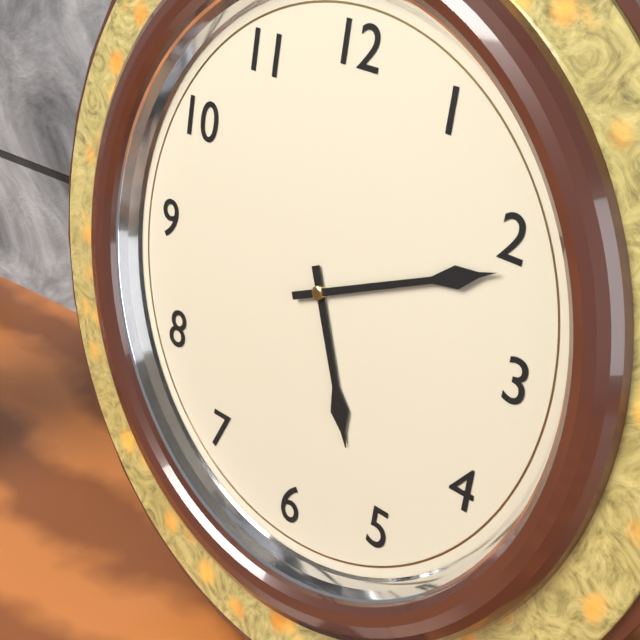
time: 5:11
